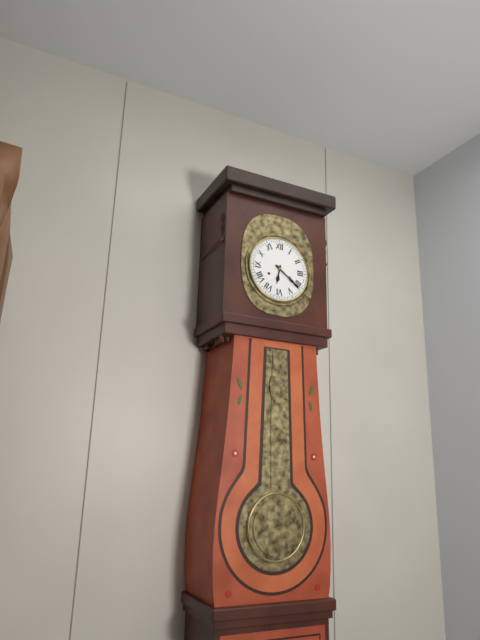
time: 6:21
